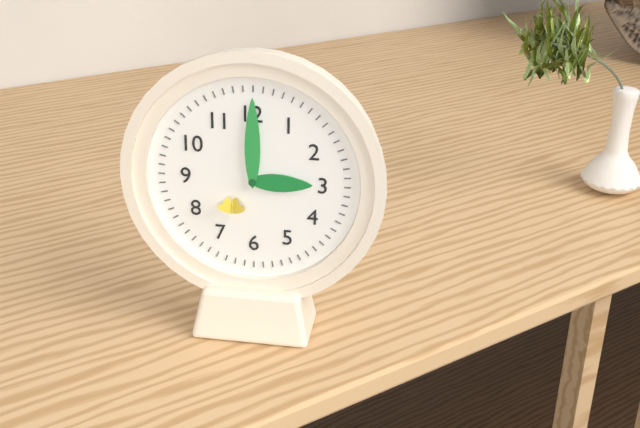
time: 3:00
